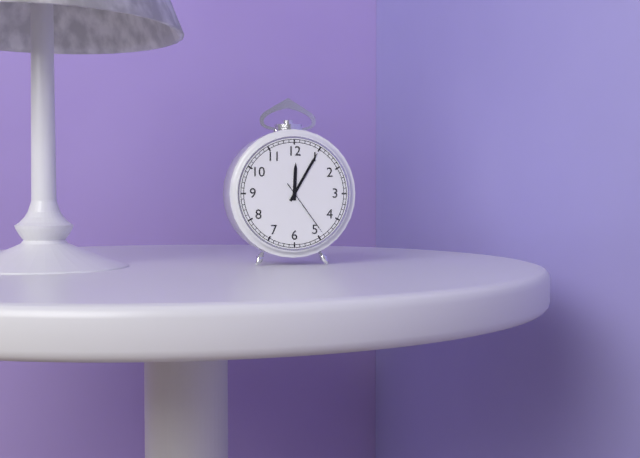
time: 12:05:24
